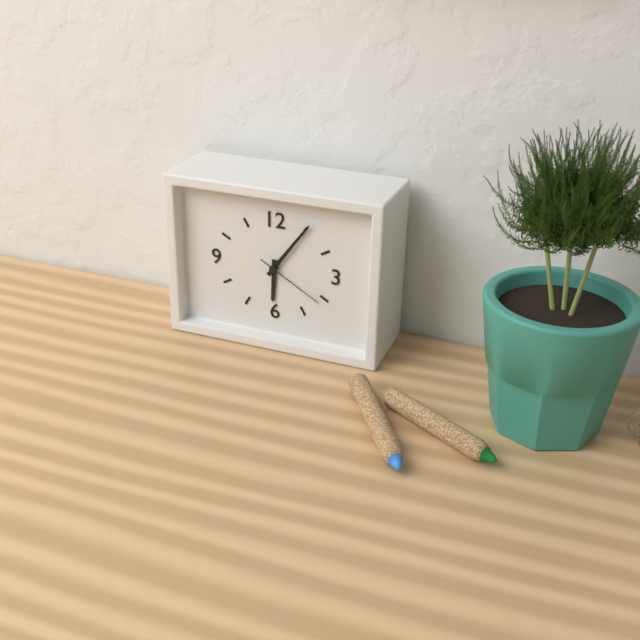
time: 6:06:20
